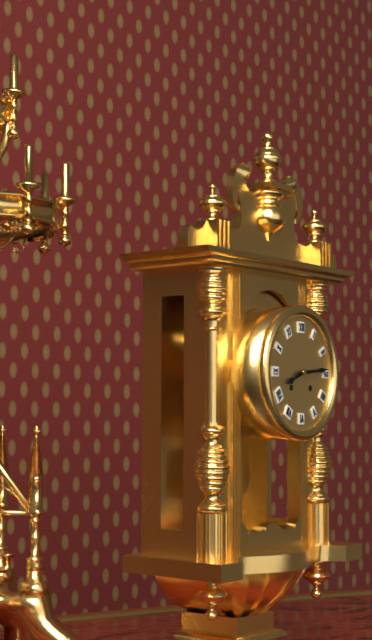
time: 8:14
